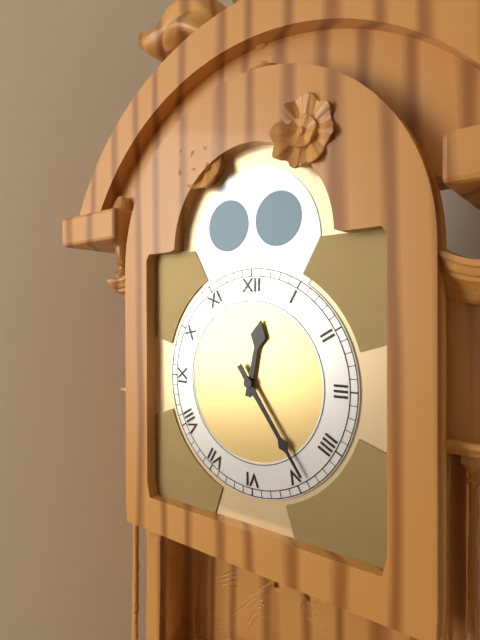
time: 12:24
